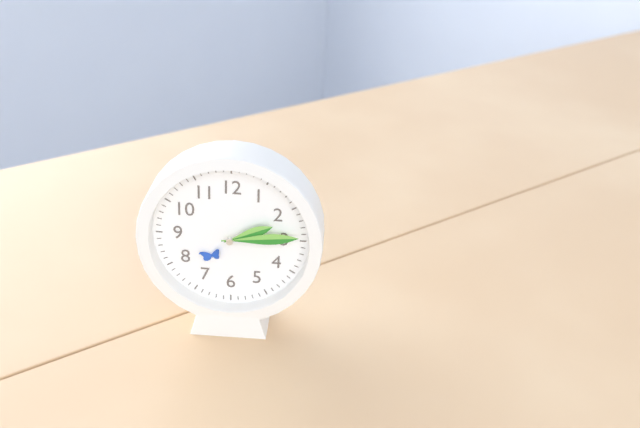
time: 2:14
